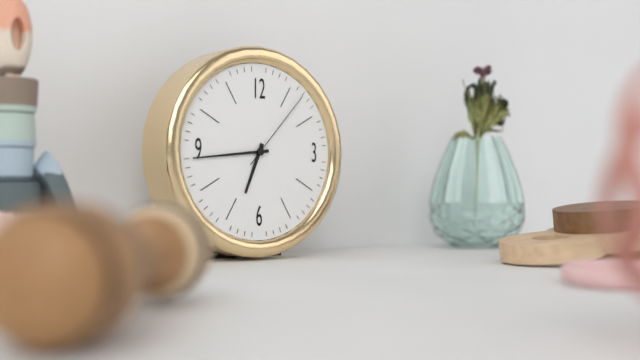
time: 6:44:07
